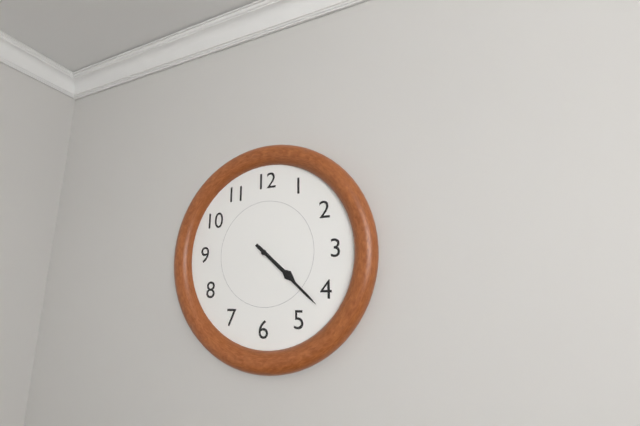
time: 4:22
